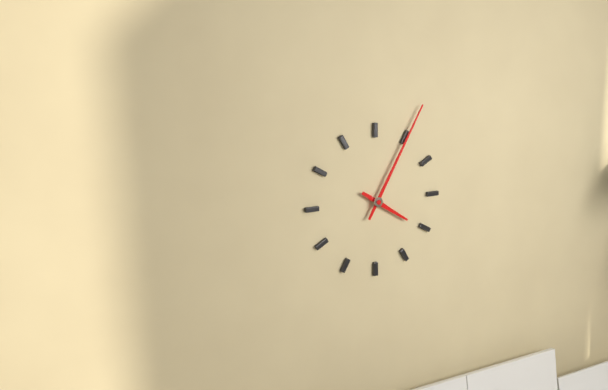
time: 4:05
